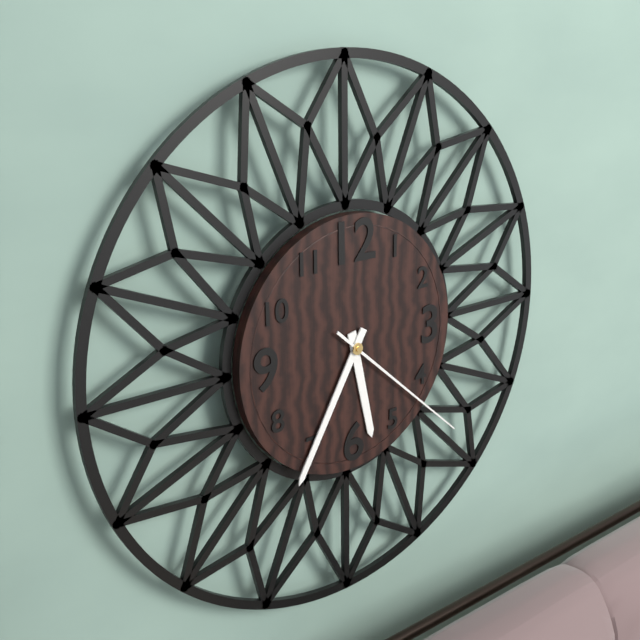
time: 5:35:22
